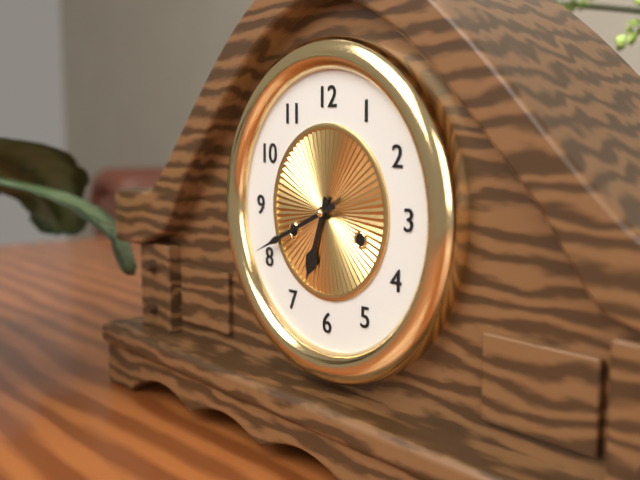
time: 6:41
